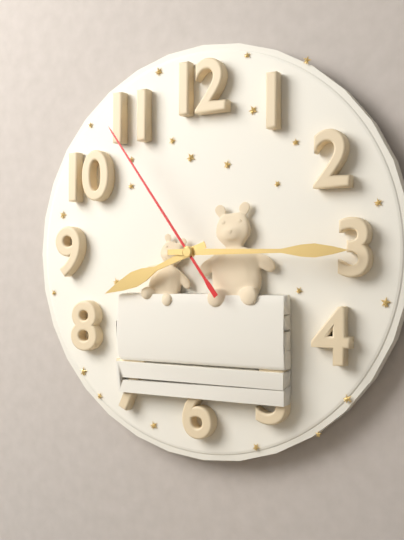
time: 8:15:54
